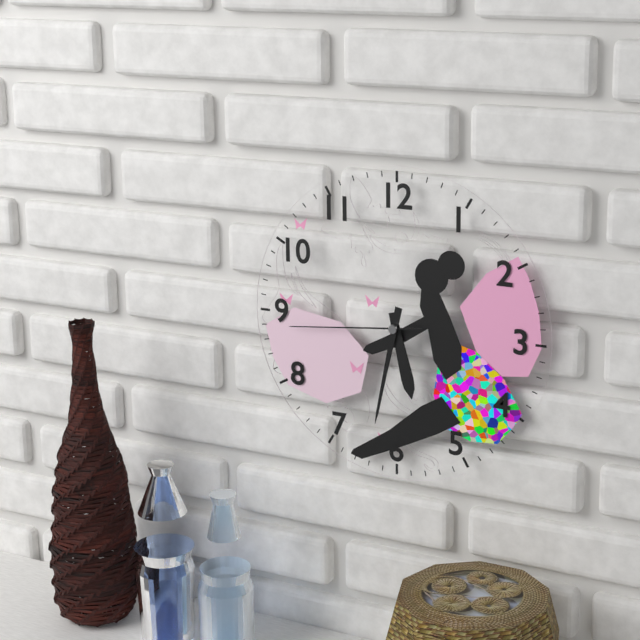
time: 5:32:44
